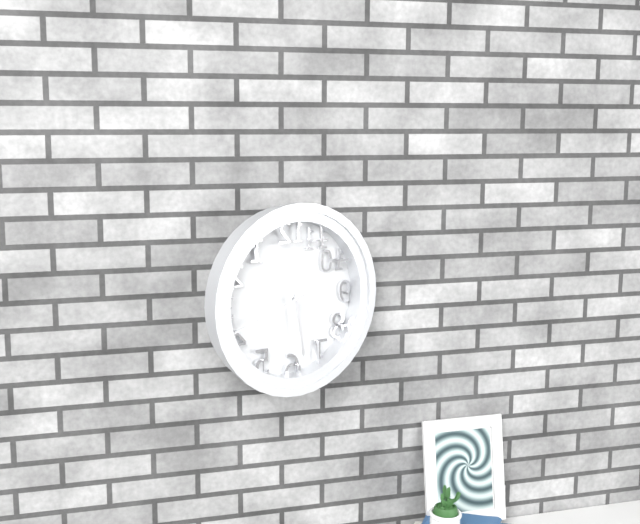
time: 5:42
